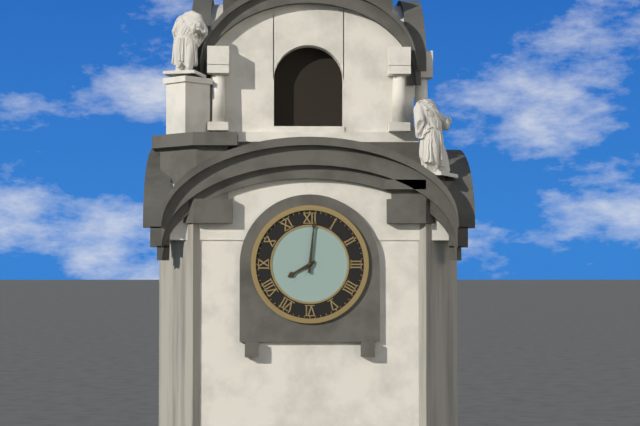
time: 8:01
